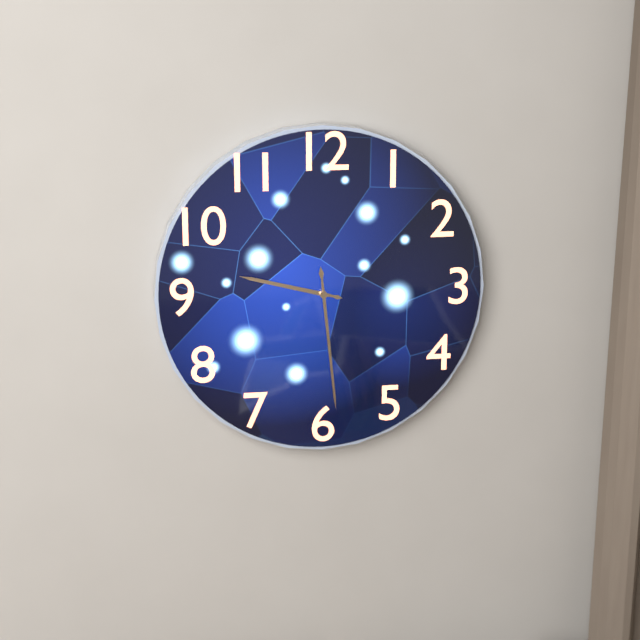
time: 9:29
